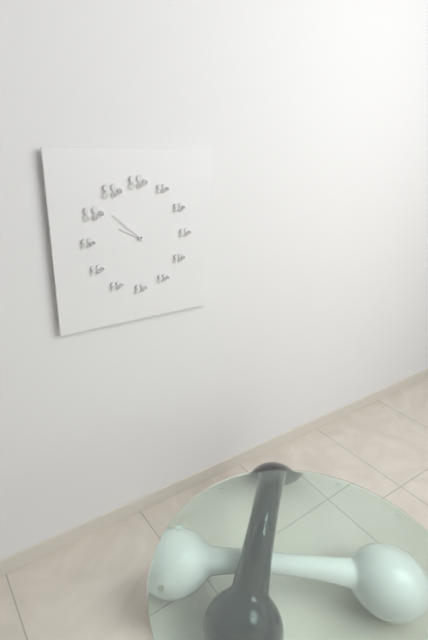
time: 9:52
